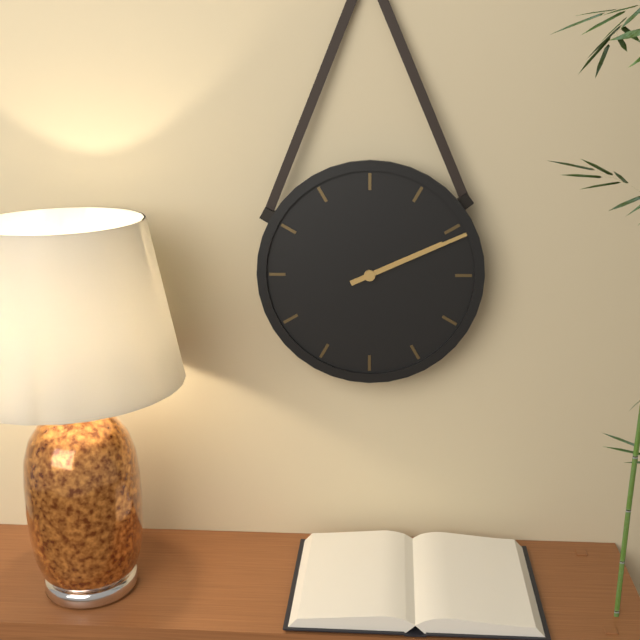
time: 2:11
